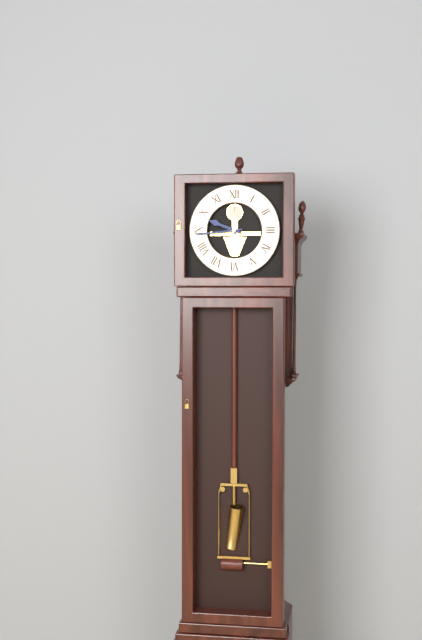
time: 9:44
